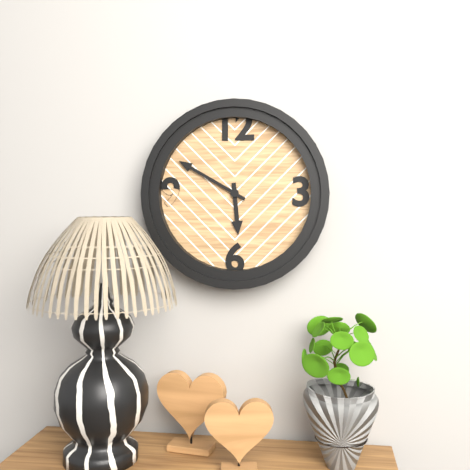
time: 5:50
